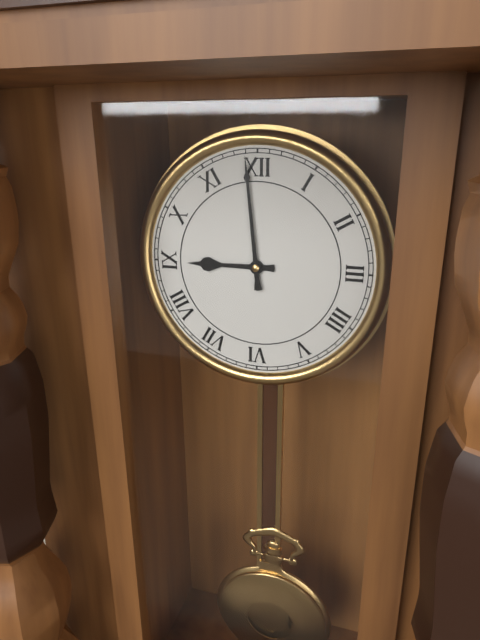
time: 8:59
